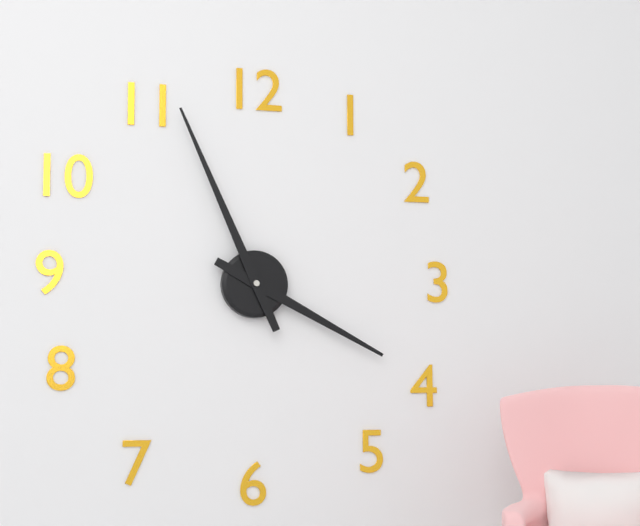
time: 3:56
